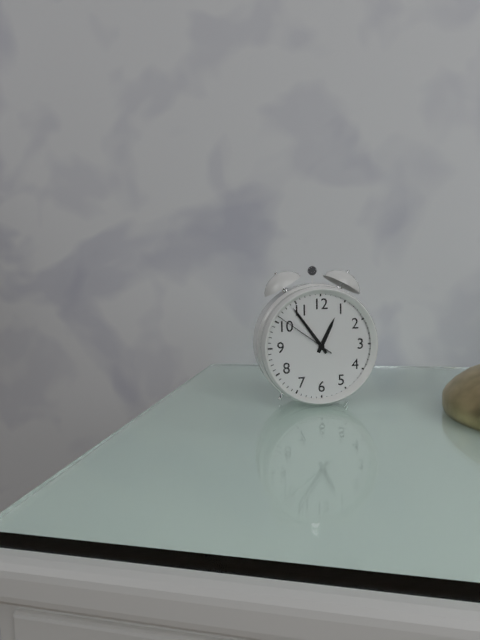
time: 12:54:51
